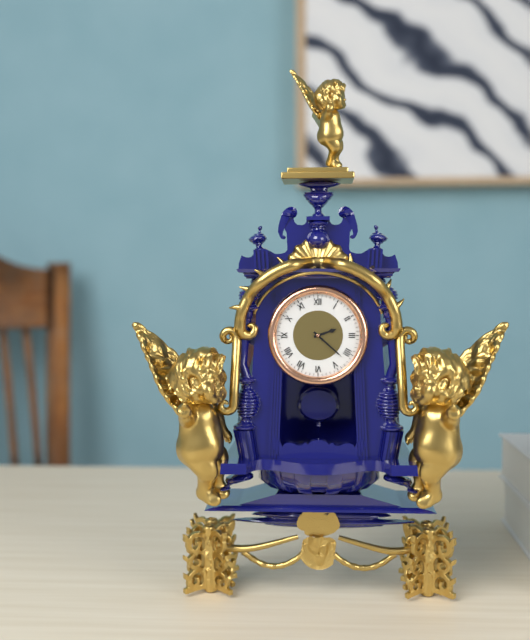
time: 2:22
